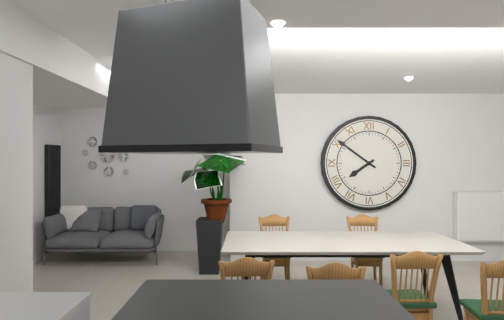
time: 7:51
